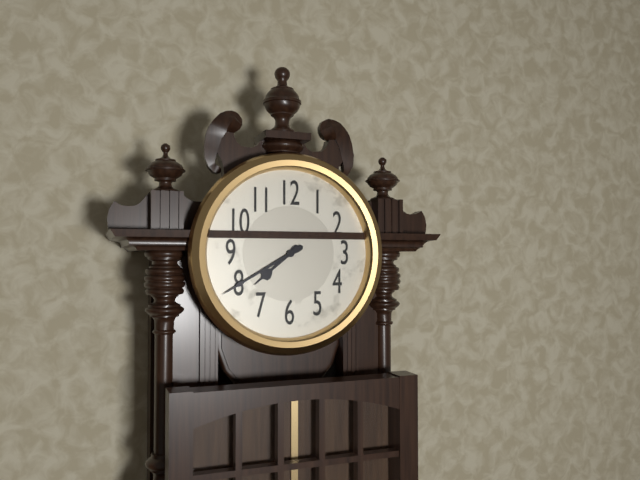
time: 7:40
